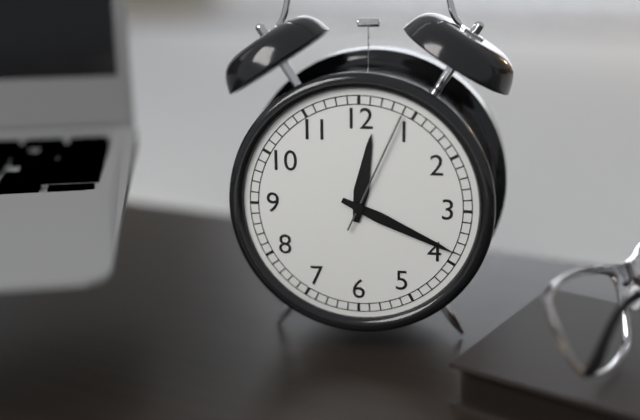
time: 12:19:04
